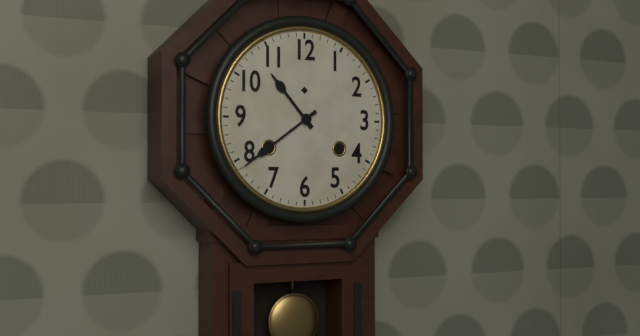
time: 10:39
